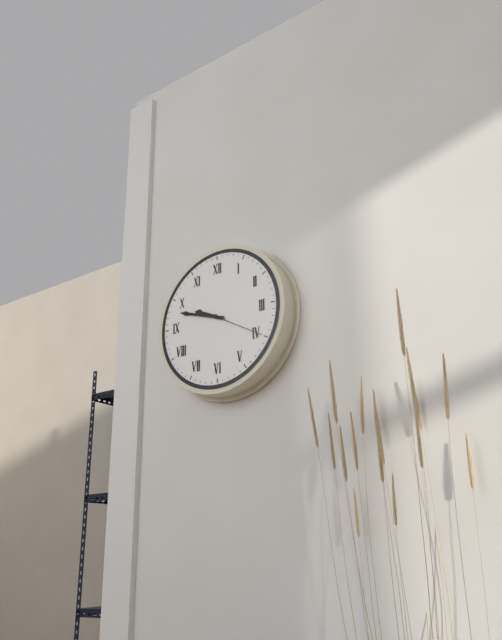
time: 9:48:20
